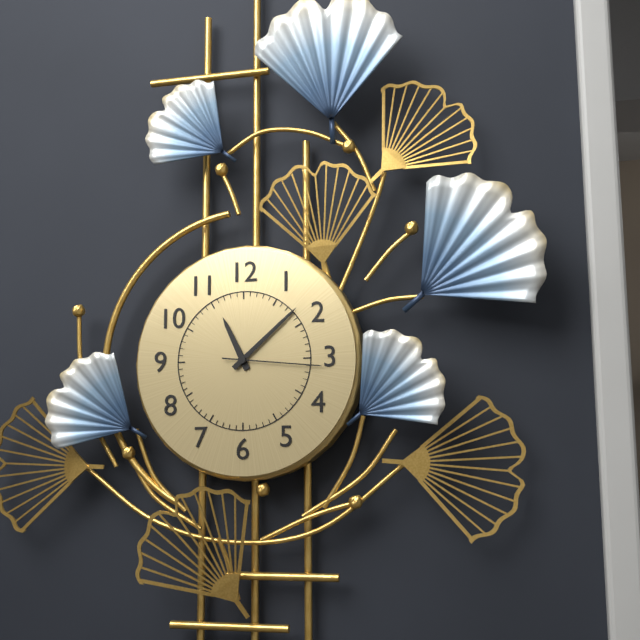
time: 11:08:16
